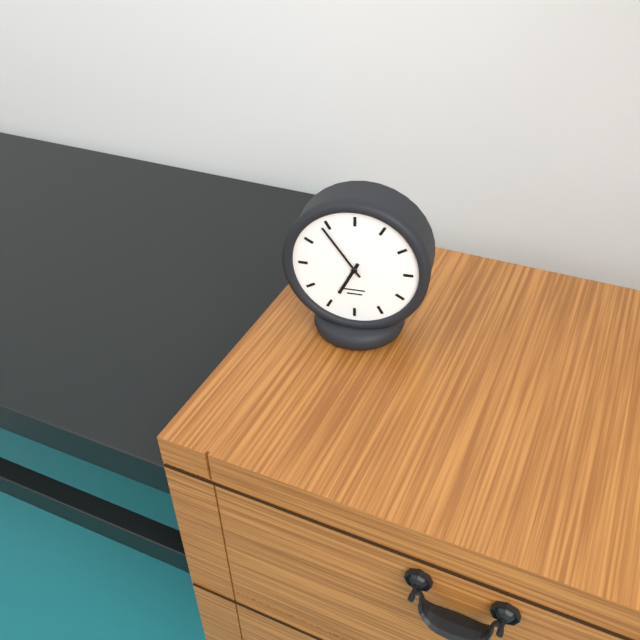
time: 6:54
